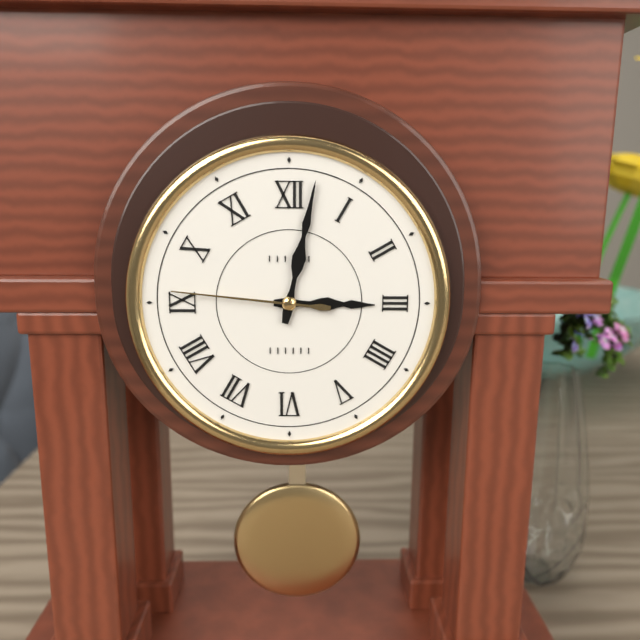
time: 3:02:46
